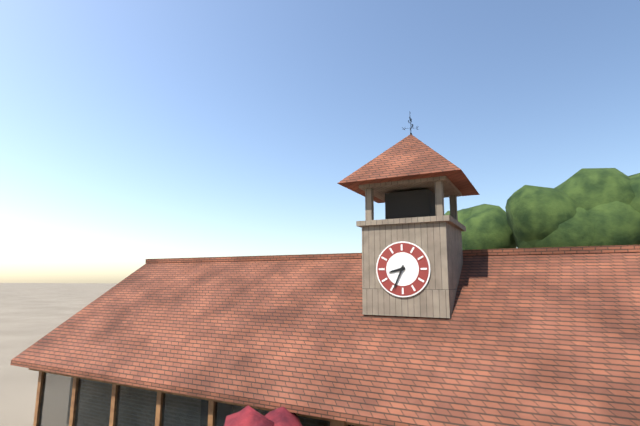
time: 8:34
